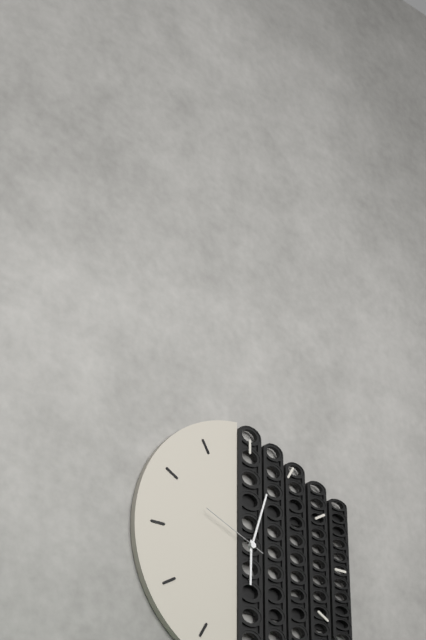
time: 6:03:49
